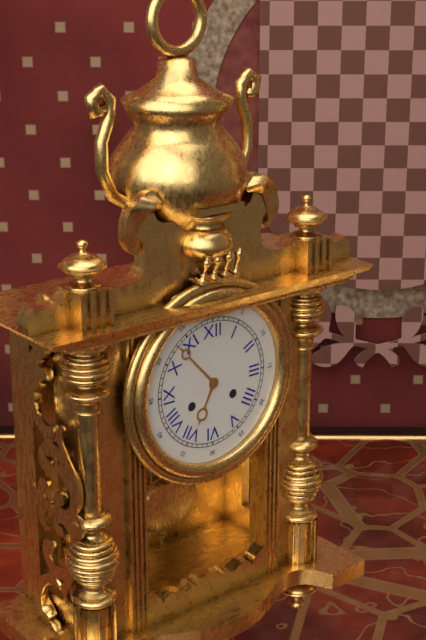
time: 6:53
